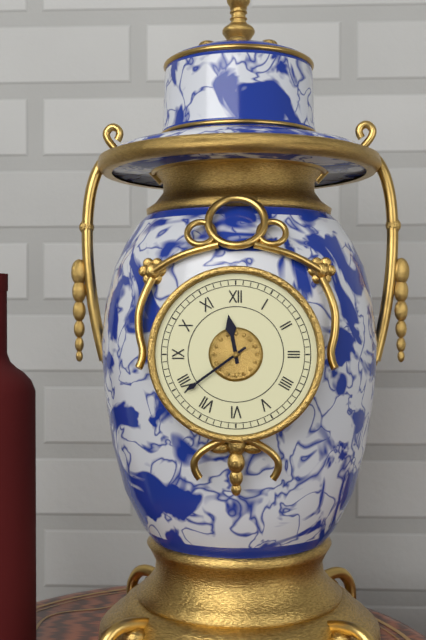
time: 11:39
